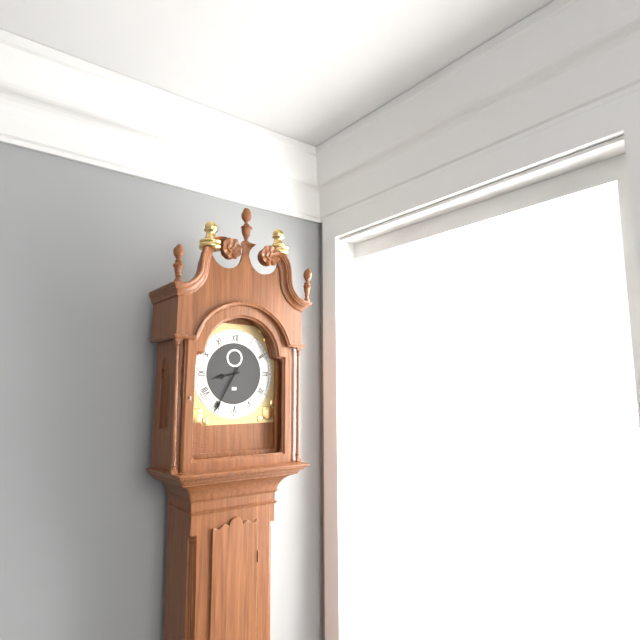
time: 8:35
